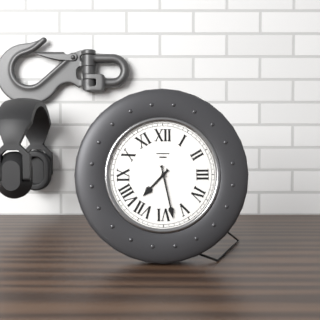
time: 7:28
